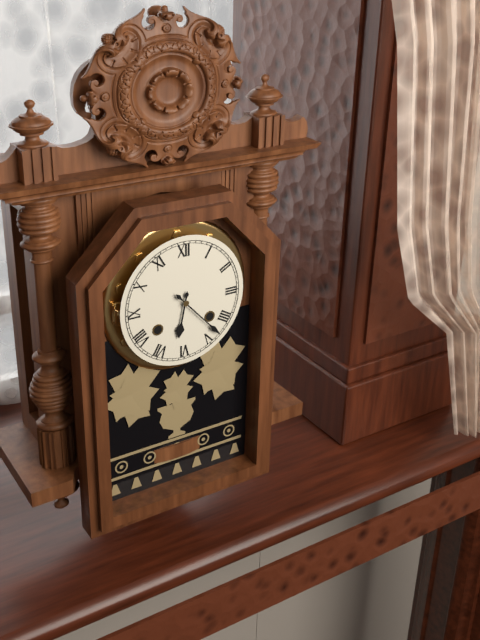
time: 6:23
